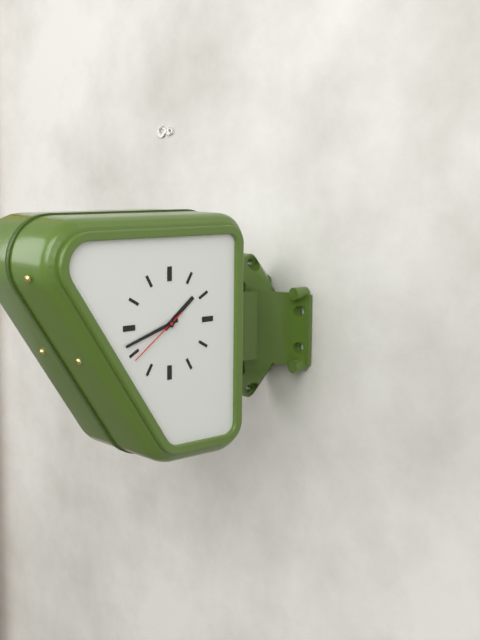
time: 1:42:39
